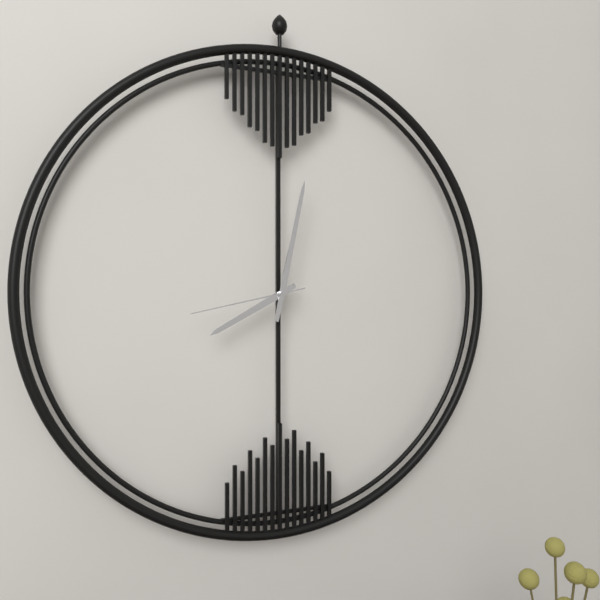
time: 8:02:43
